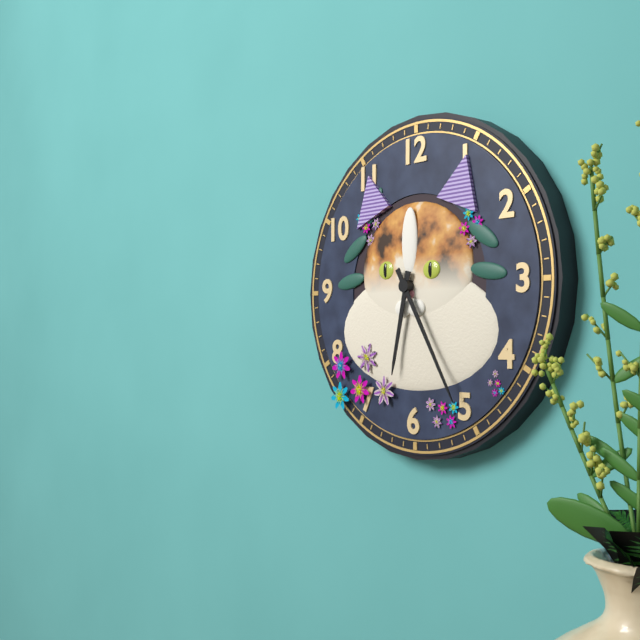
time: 6:25
